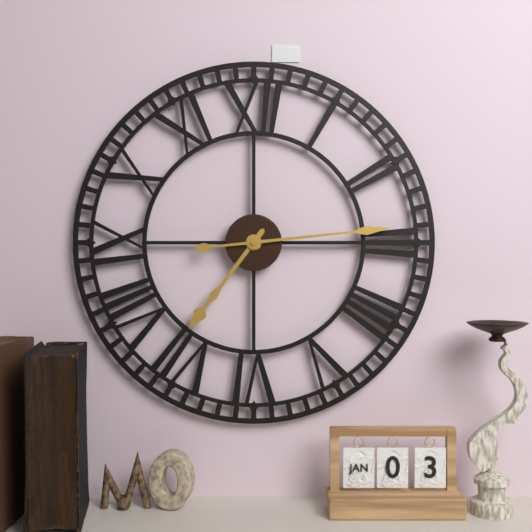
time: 7:14
